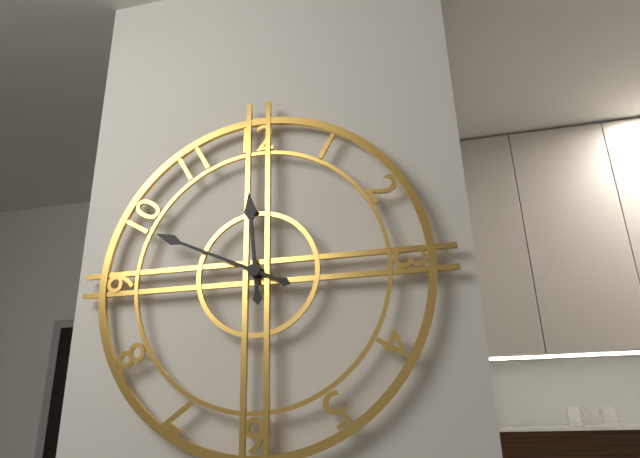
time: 11:49
